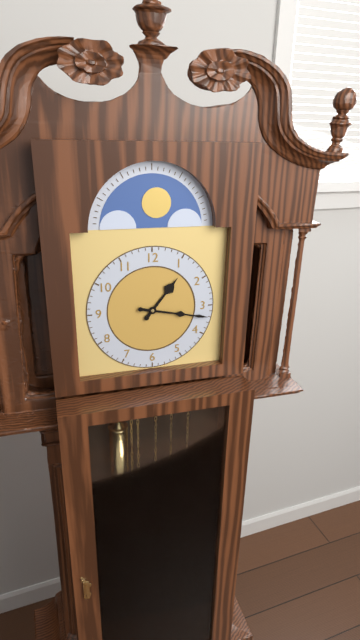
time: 1:17
